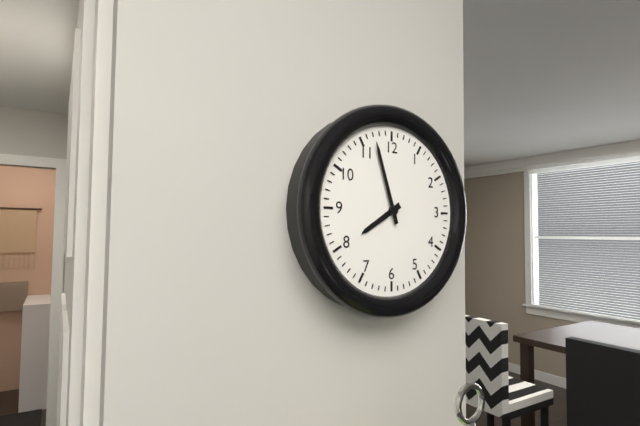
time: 7:57
